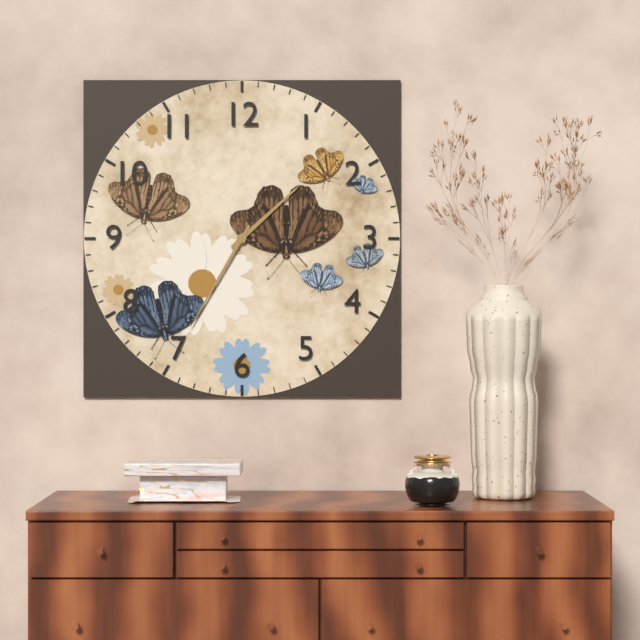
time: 1:35
